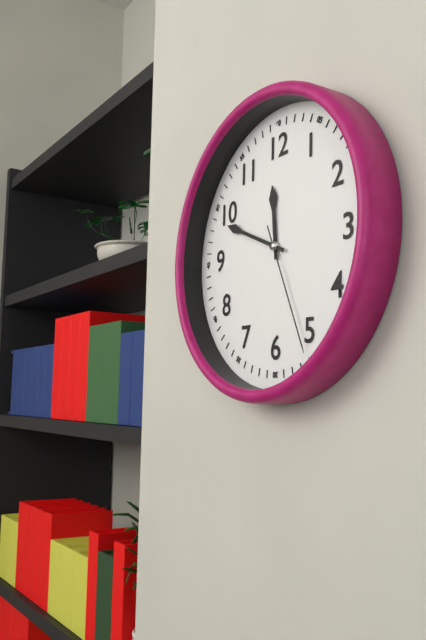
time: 11:49:26
